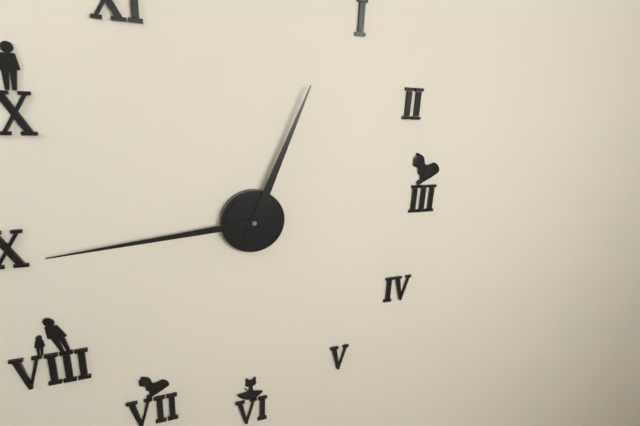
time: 12:44
